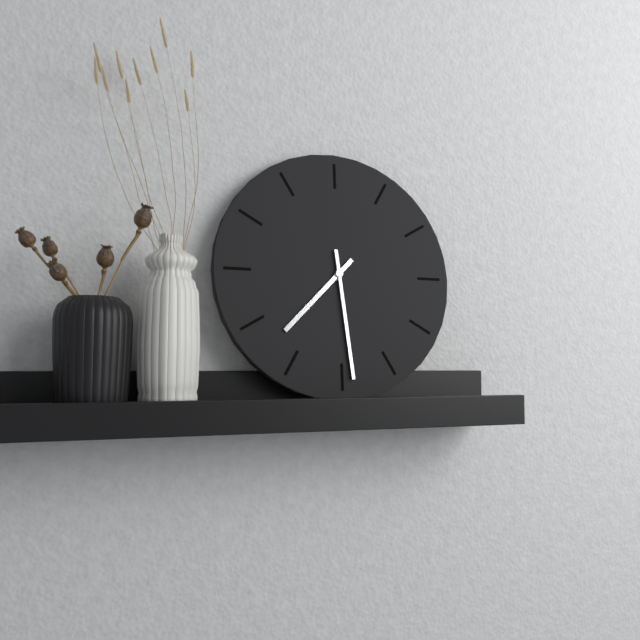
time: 7:29
